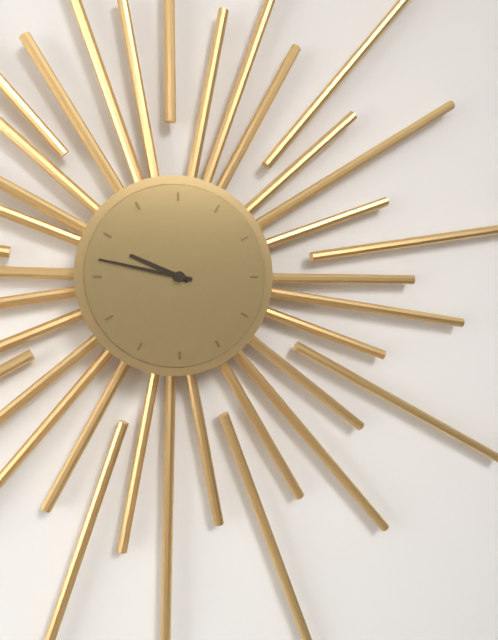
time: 9:47
